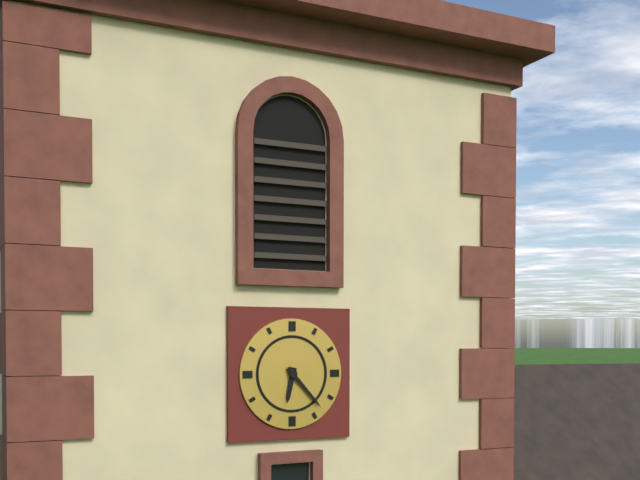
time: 6:23
